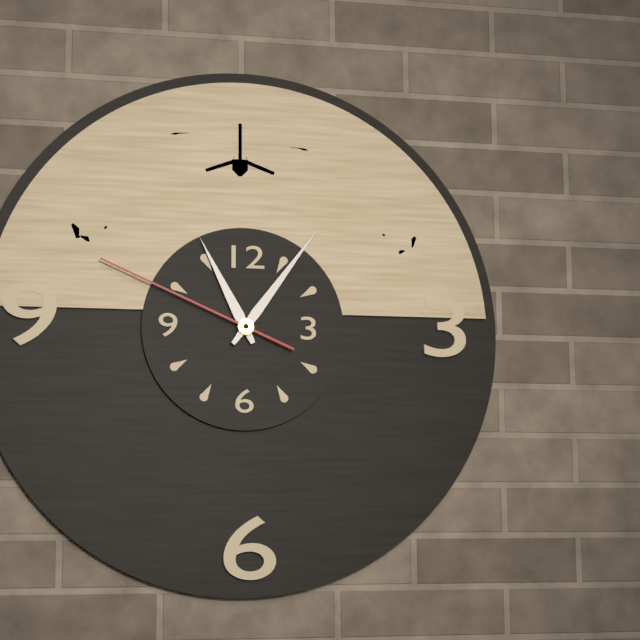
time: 11:06:49
